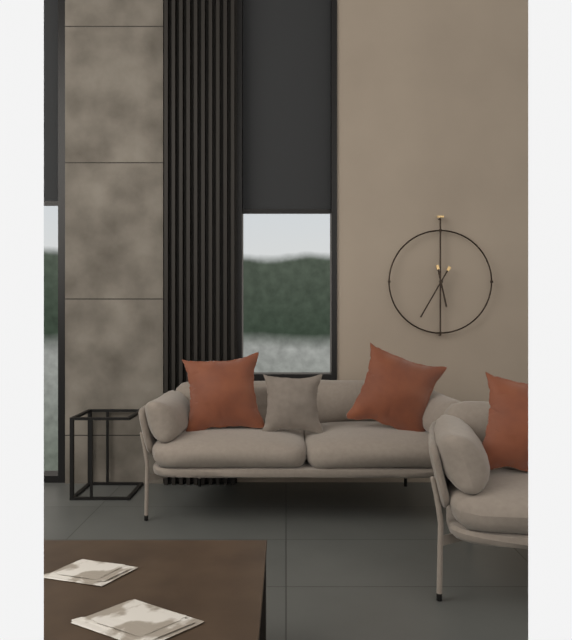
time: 5:35
